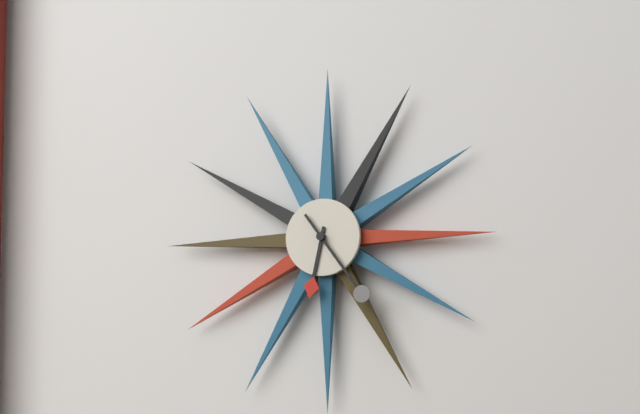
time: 6:24
